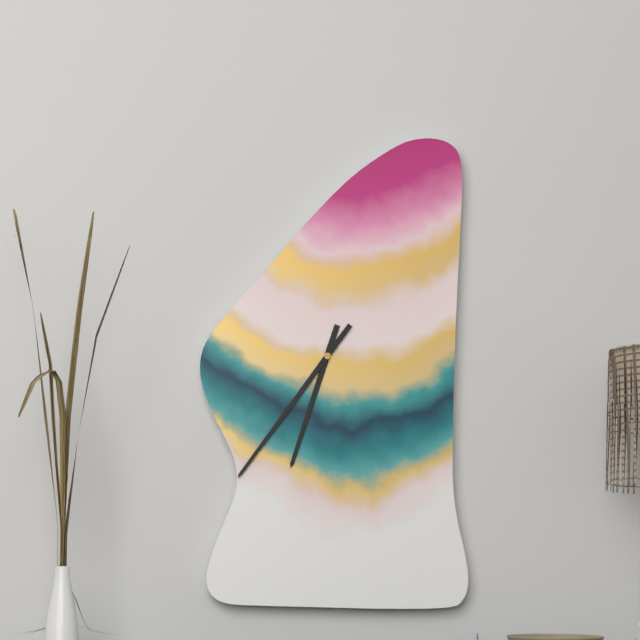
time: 6:36
